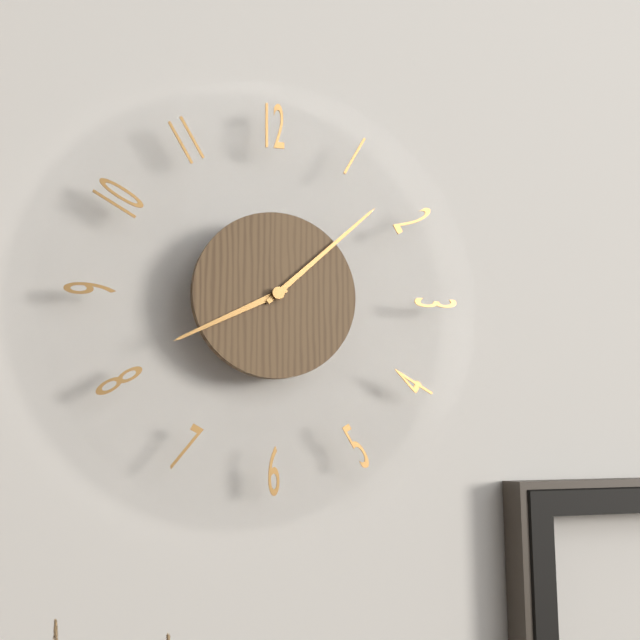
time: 8:08
